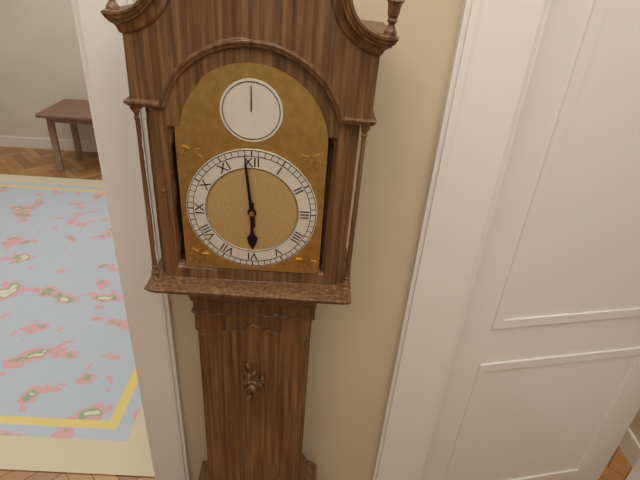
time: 5:59
